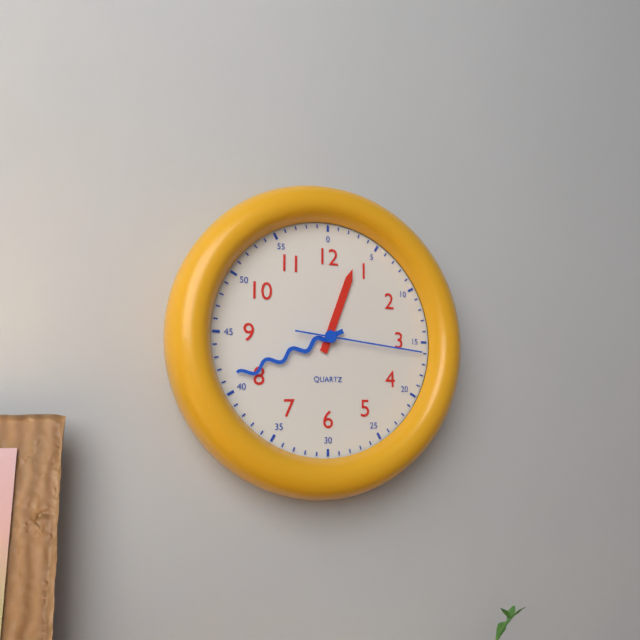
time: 12:41:16
